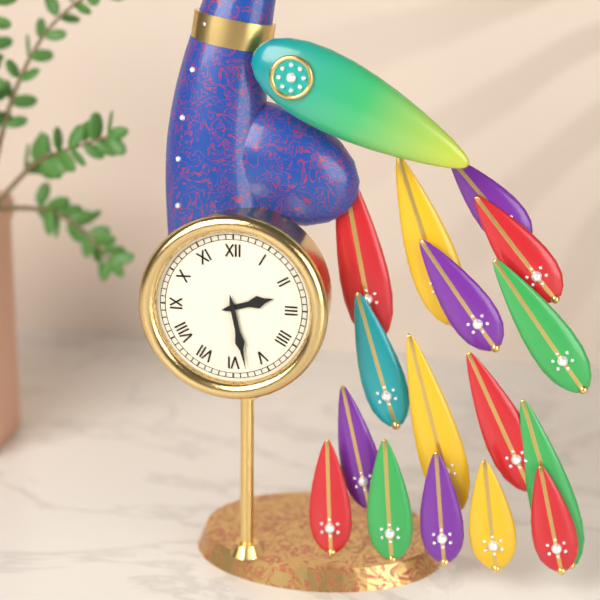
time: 2:28
